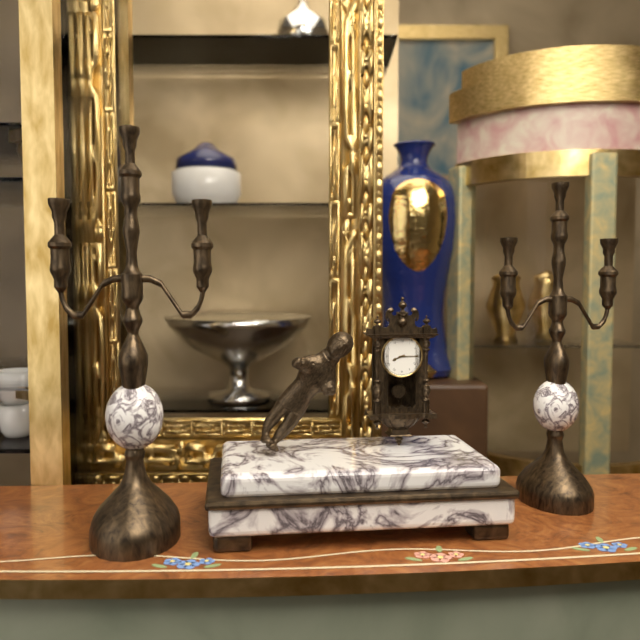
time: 8:15
